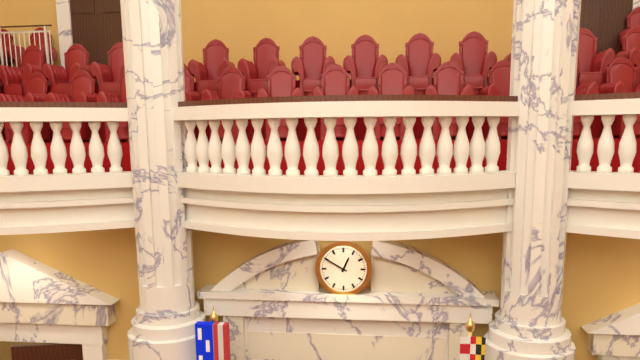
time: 12:50
